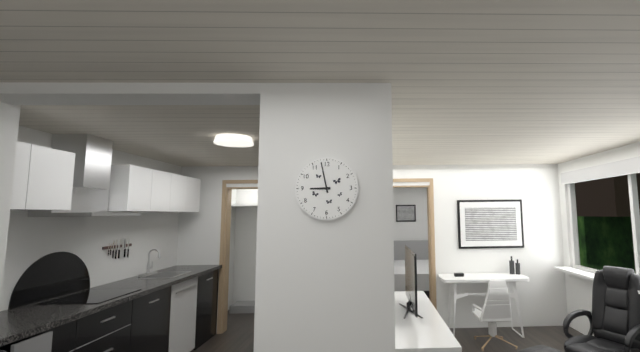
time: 8:58
